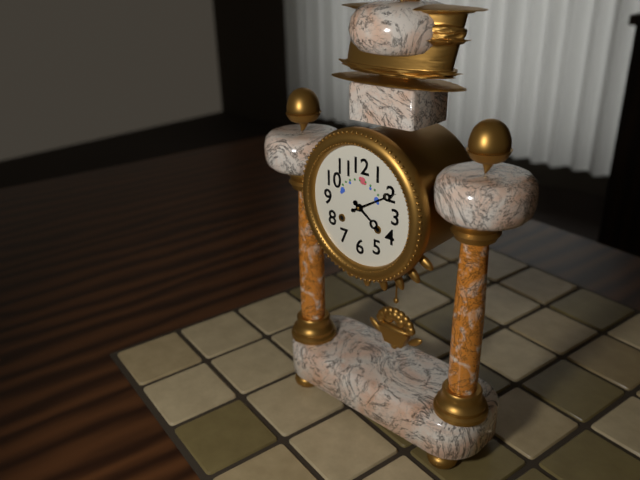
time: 4:10
